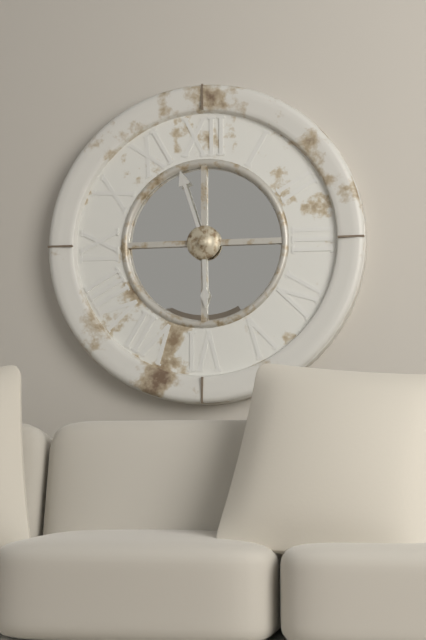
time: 5:57
